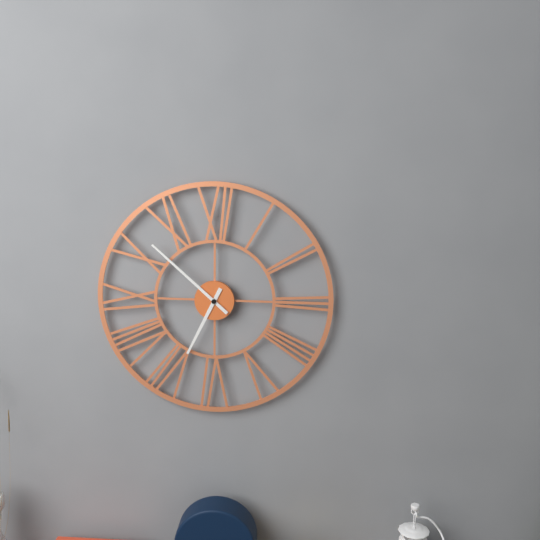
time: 6:52
